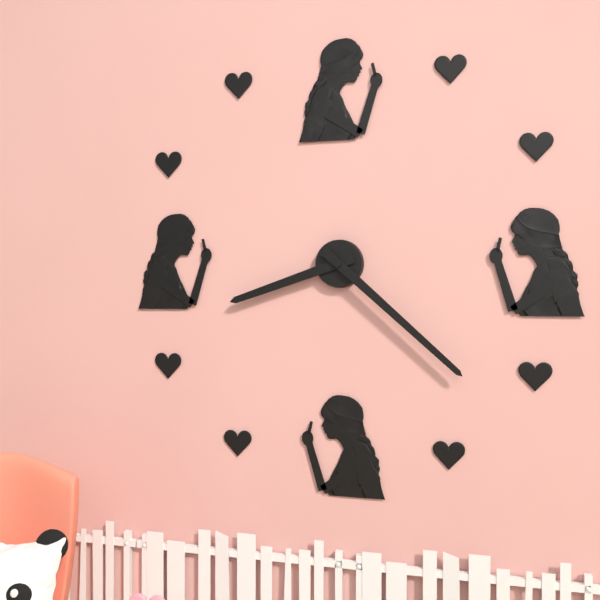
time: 8:22
